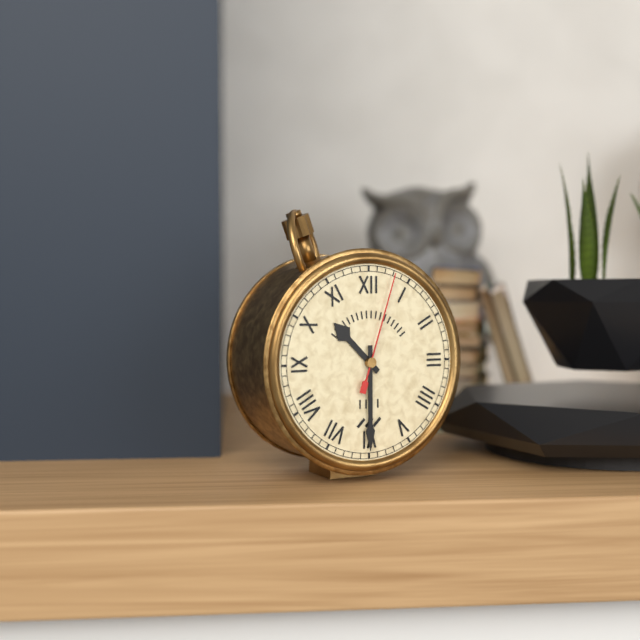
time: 10:30:03
